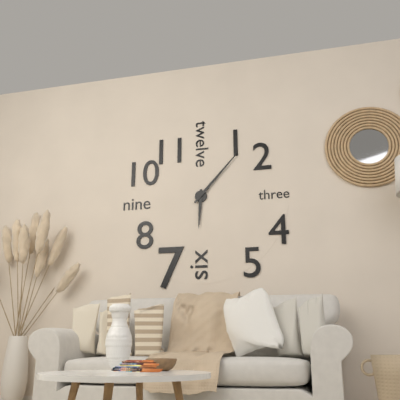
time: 6:07
